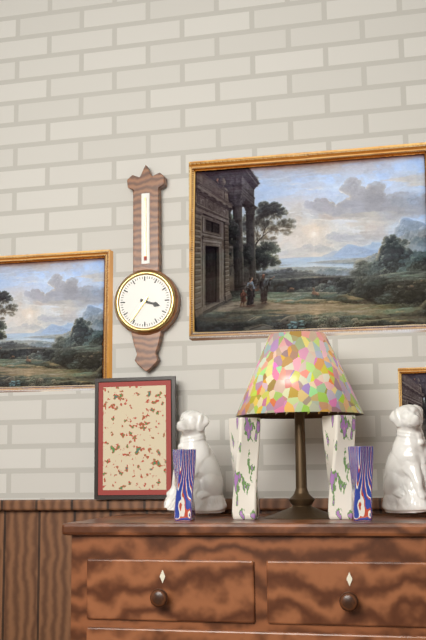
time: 3:36
